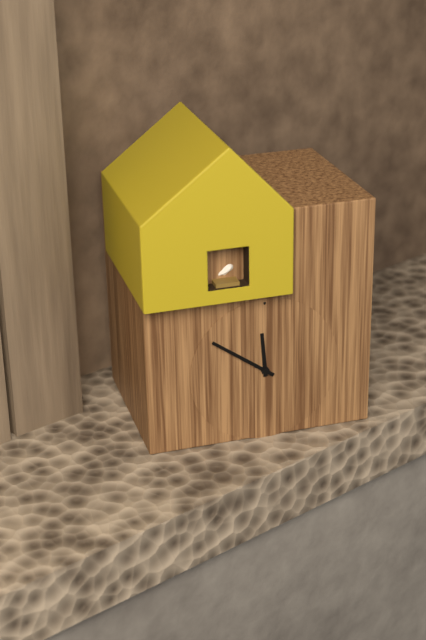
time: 11:51
